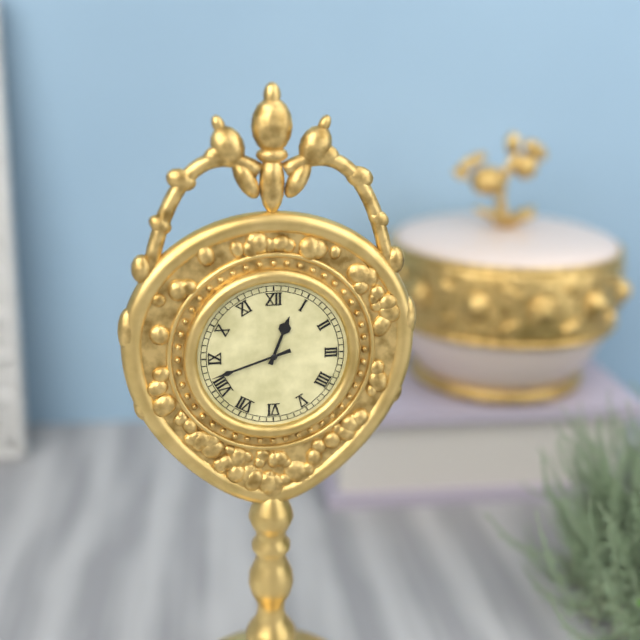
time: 12:42
